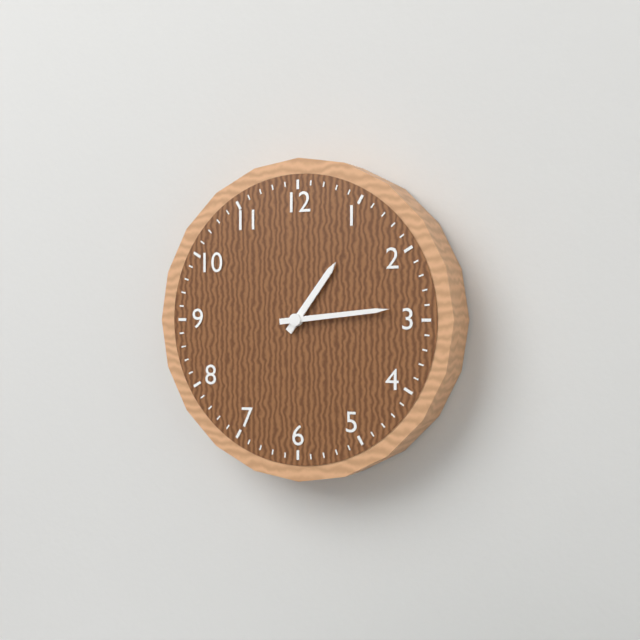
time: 1:14
